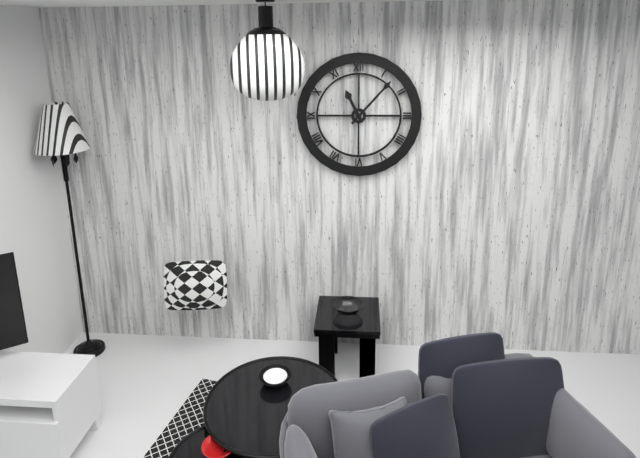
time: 11:07
